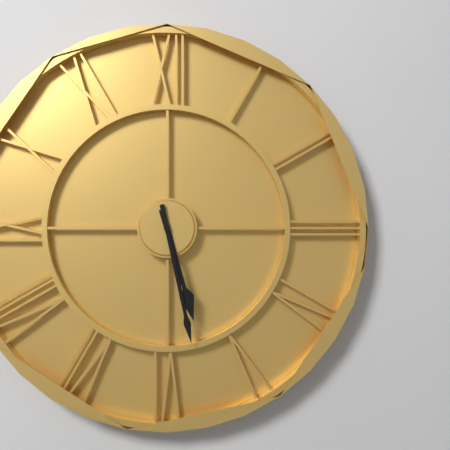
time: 5:28
